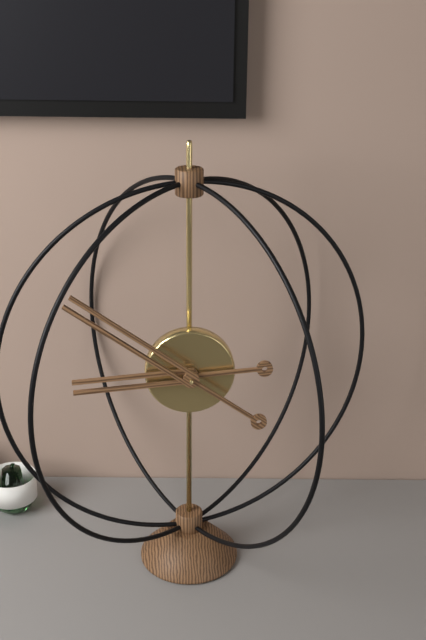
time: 8:51
